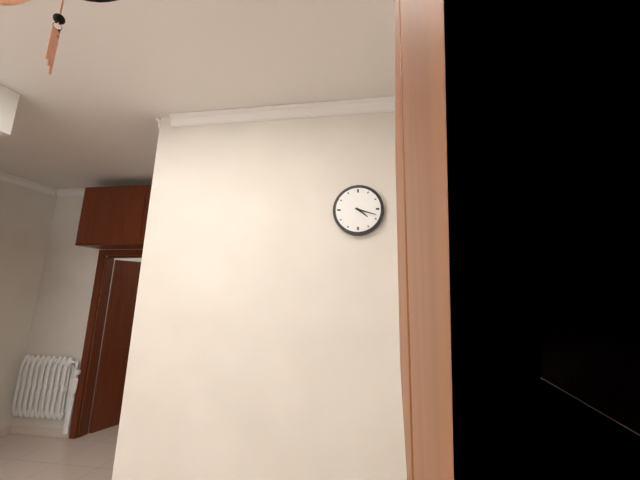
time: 4:18
